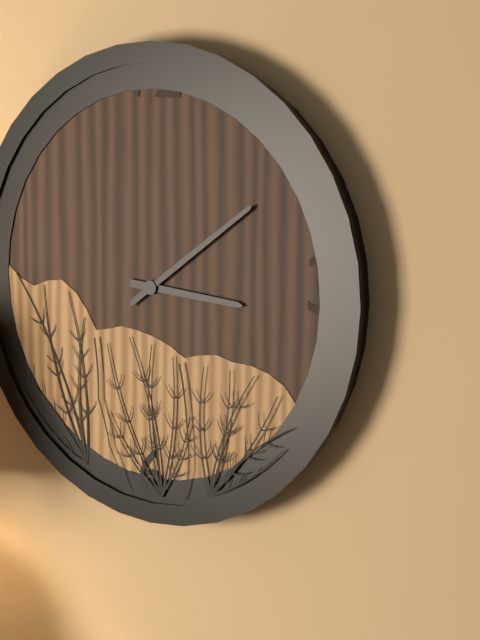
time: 3:09
